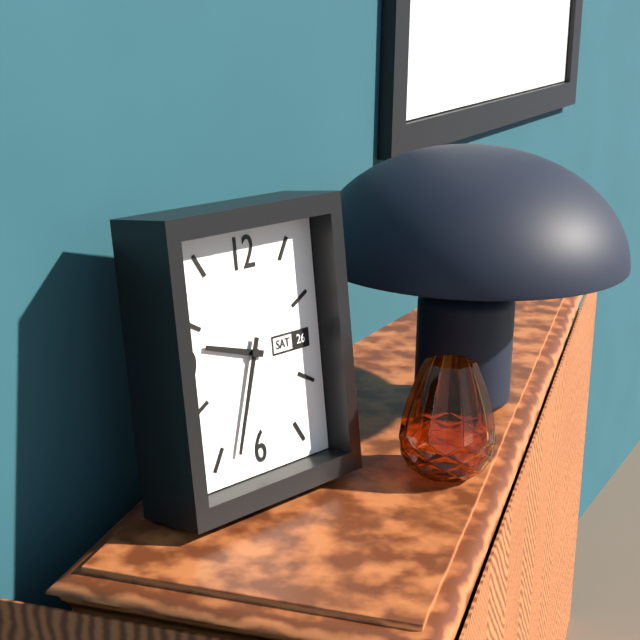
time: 9:33
